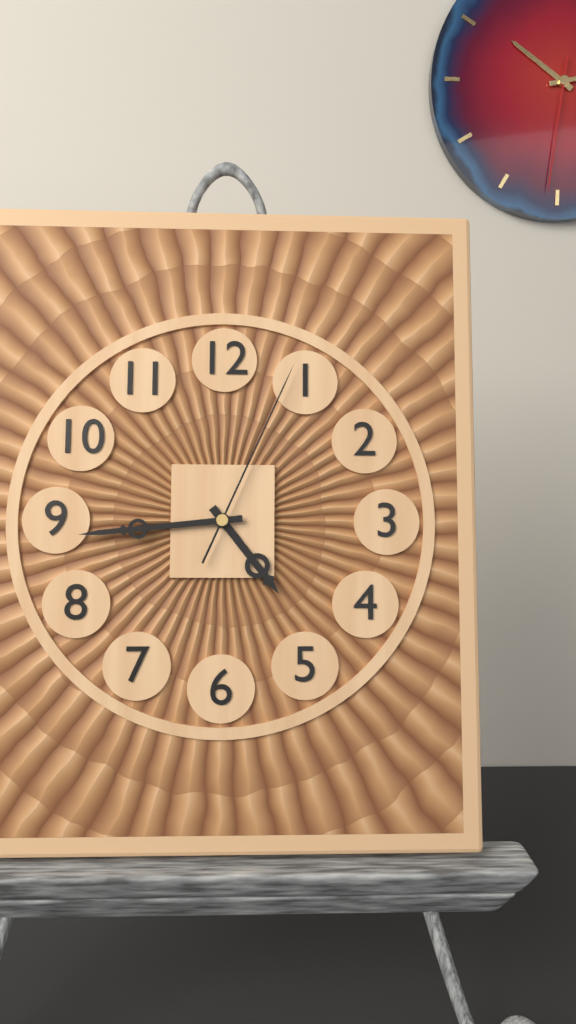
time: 4:44:04
